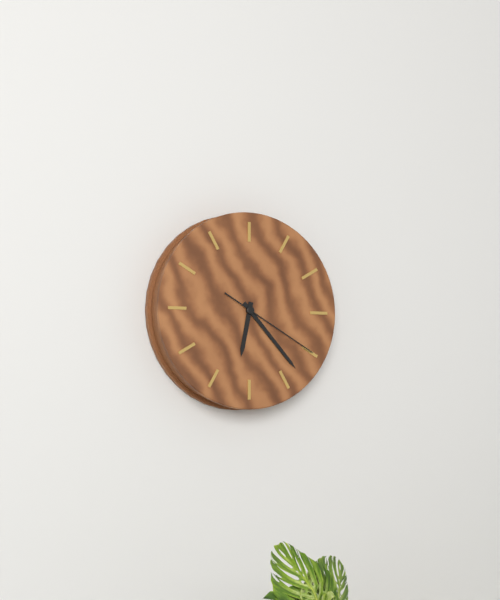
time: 6:23:20
